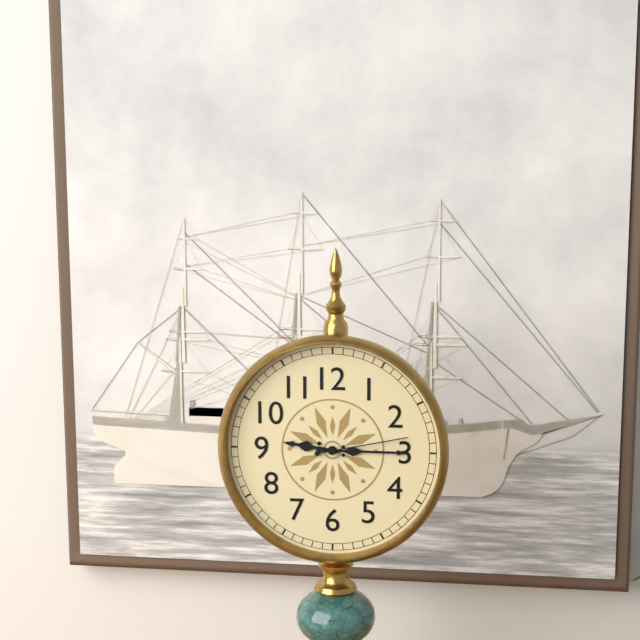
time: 9:15:13
